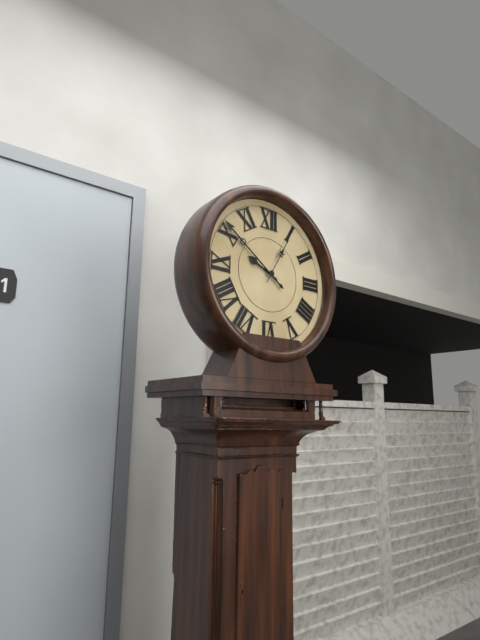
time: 9:51:05
